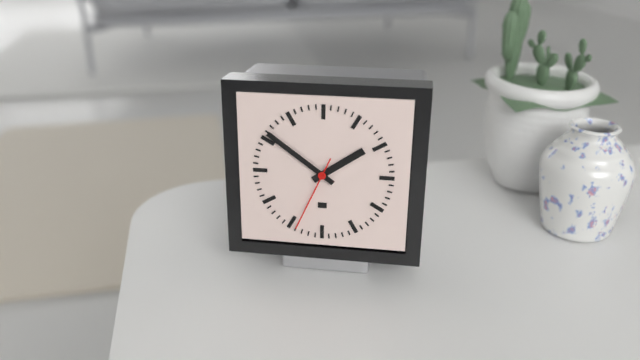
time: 1:51:34
